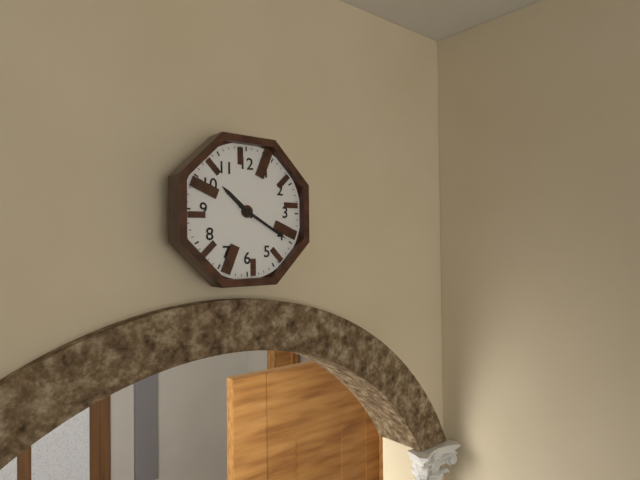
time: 10:20
